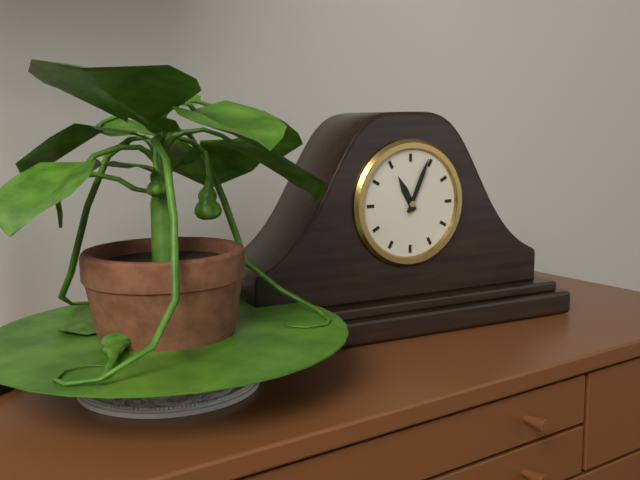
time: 11:04
